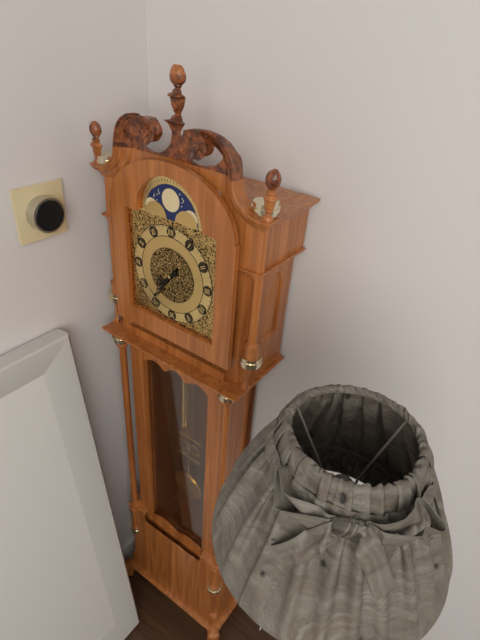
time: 7:36
